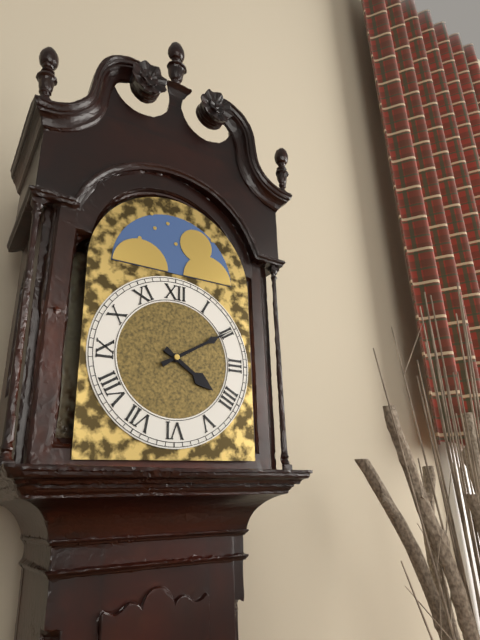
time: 4:10
